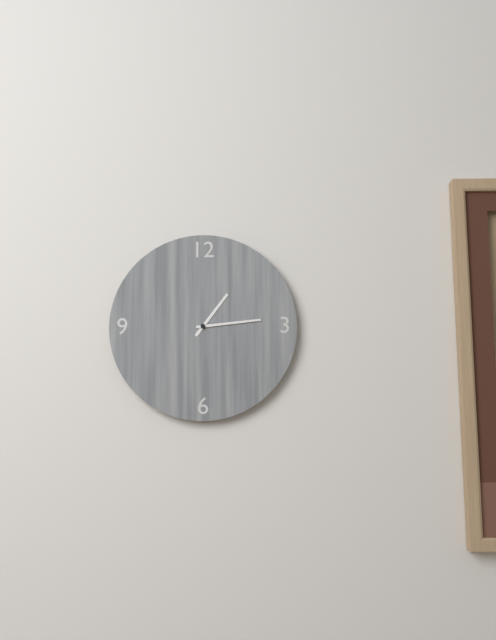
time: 1:14
